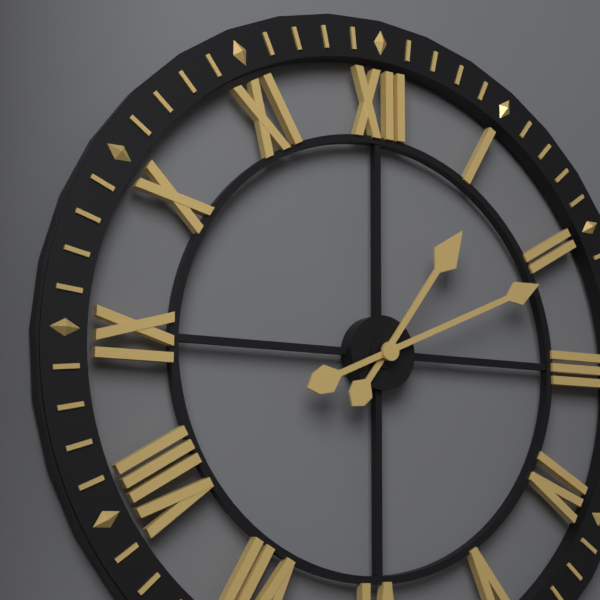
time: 1:11
